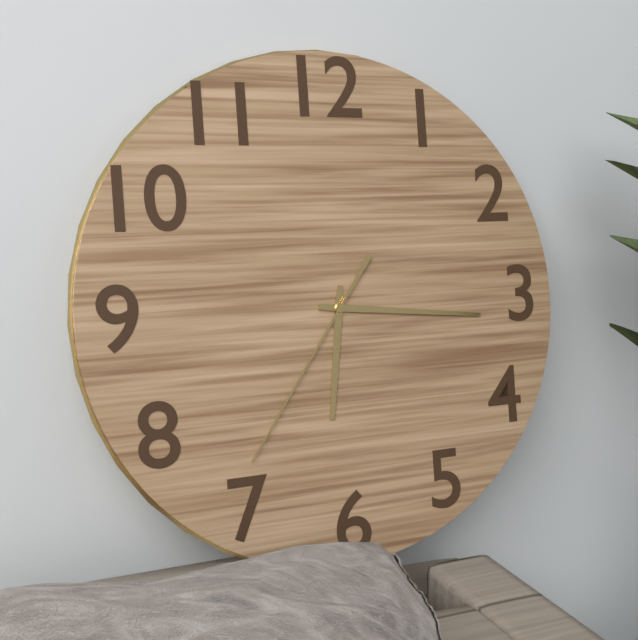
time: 6:16:36
